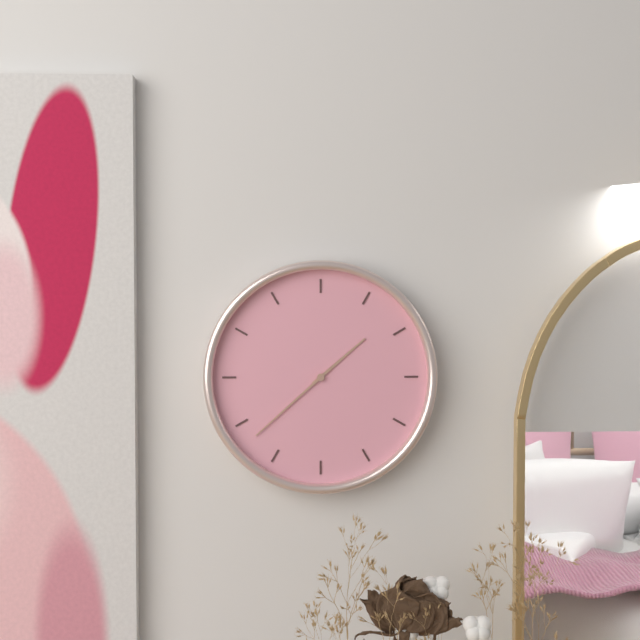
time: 1:38
